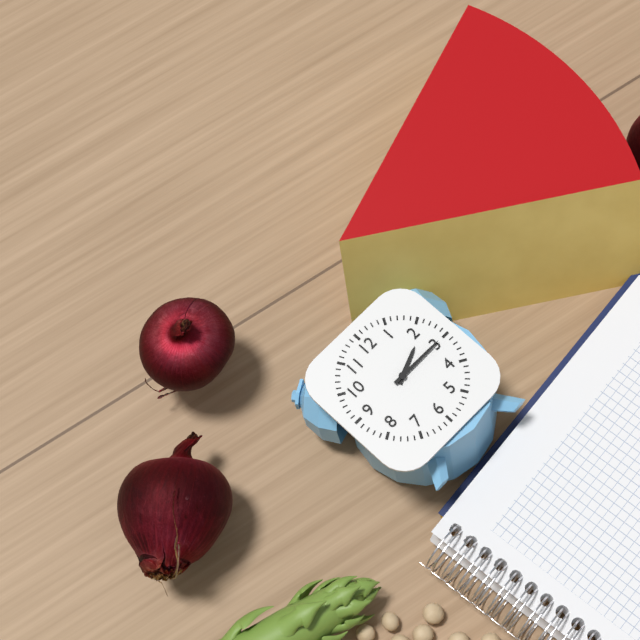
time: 2:15
